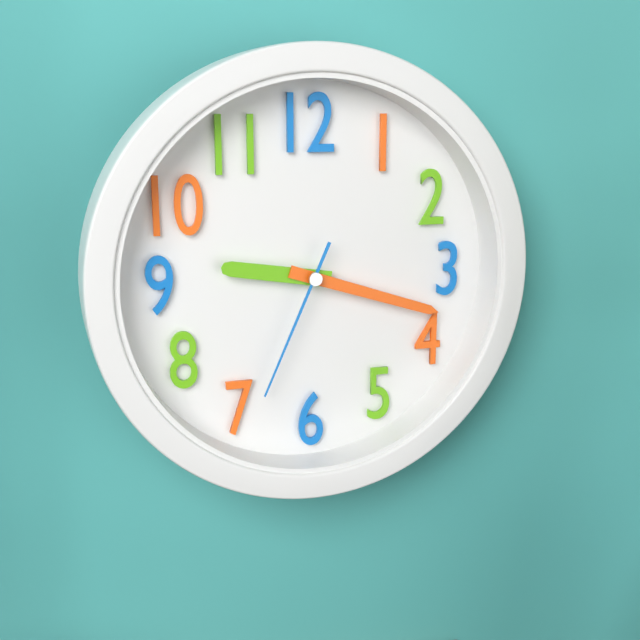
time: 9:18:34
